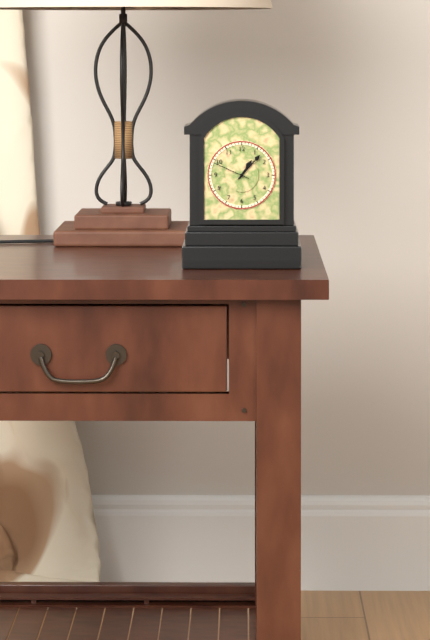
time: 1:07
